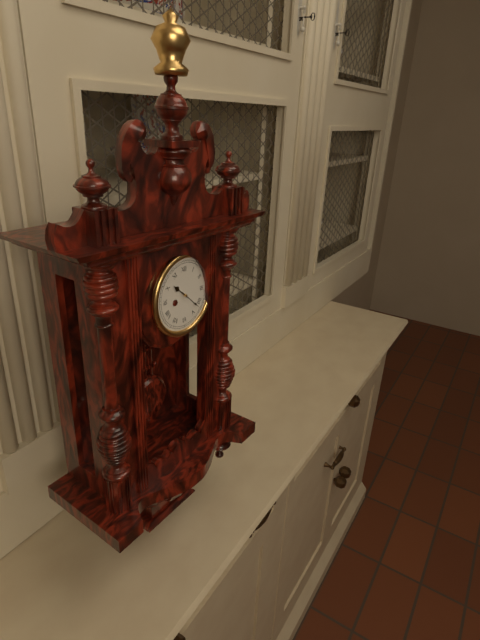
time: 10:22
